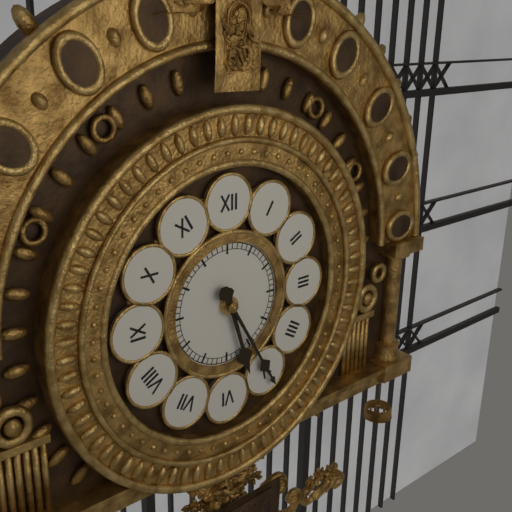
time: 5:25
